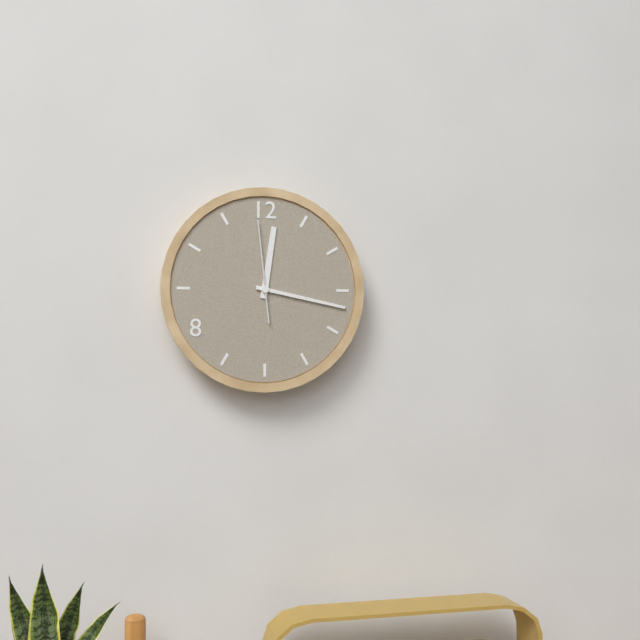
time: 12:17:59
